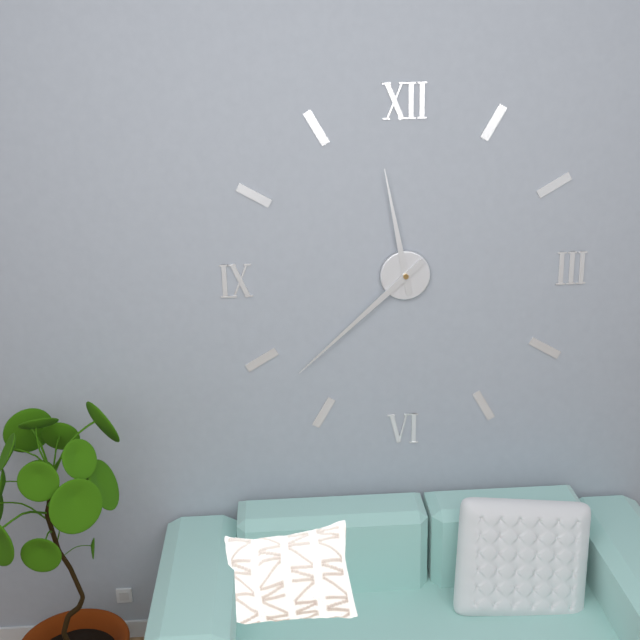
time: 11:38
